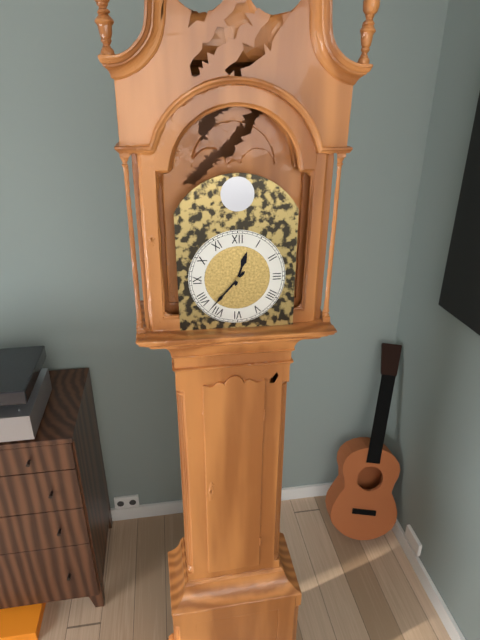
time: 12:37
